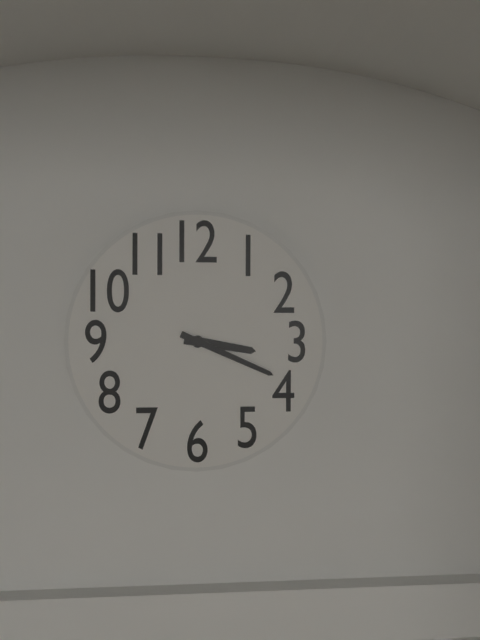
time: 3:19
